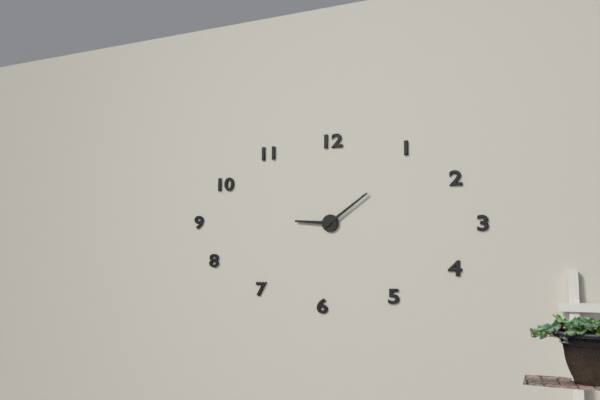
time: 9:09
